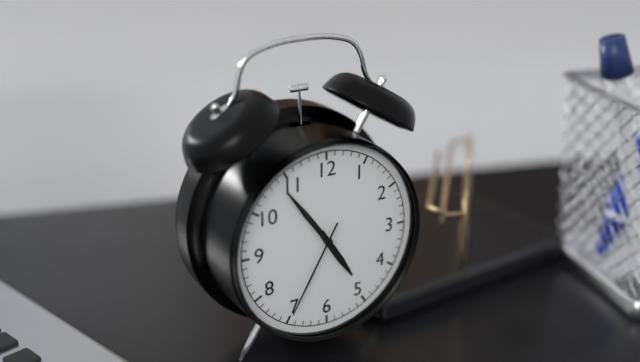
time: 4:54:35
